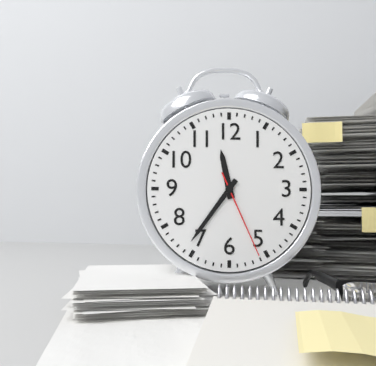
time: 11:36:26
